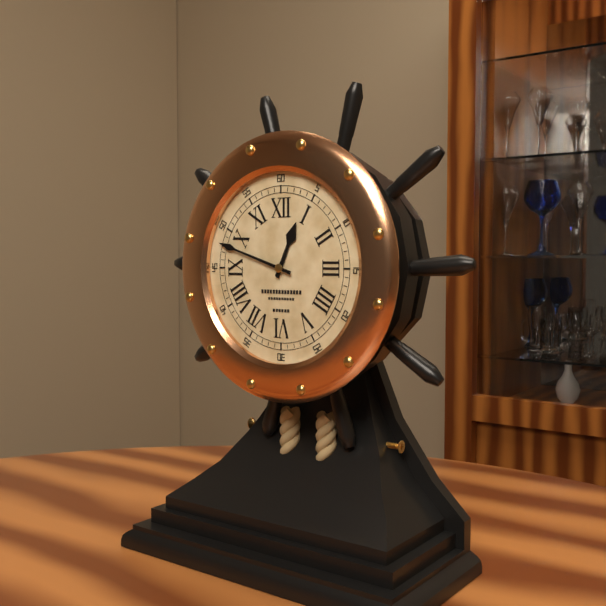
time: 12:48
